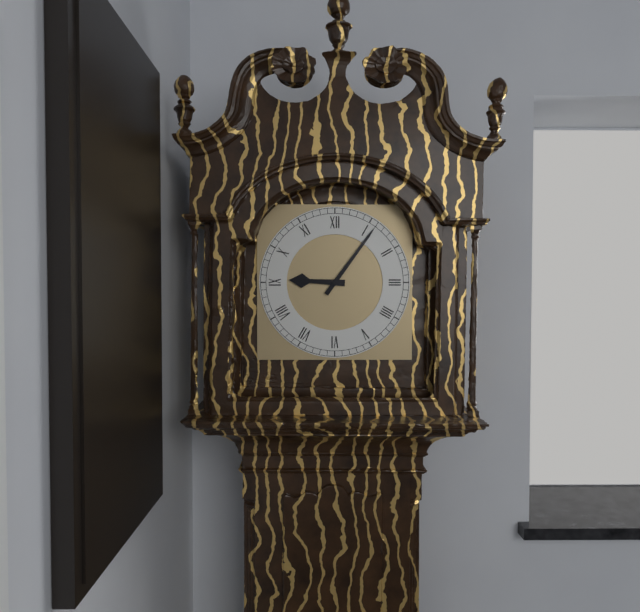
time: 9:06
